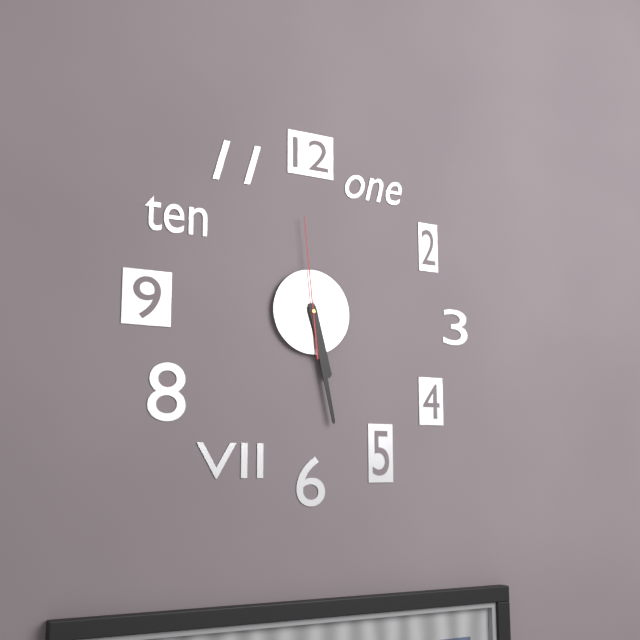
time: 5:28:59
